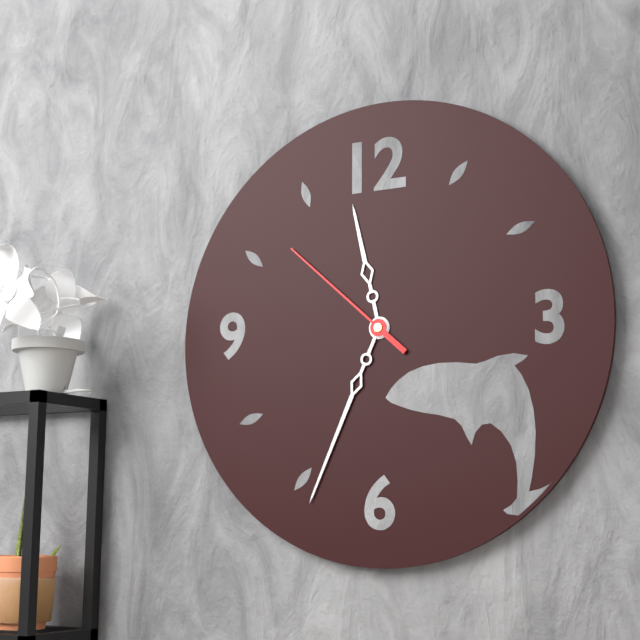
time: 11:34:52
